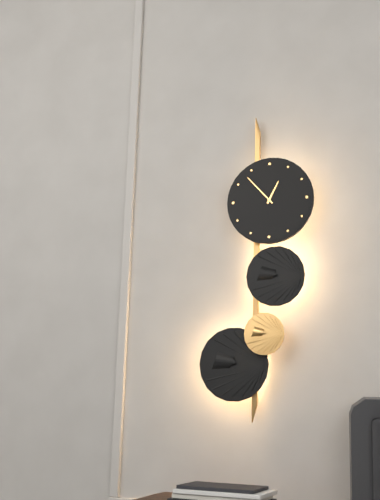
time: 12:53
